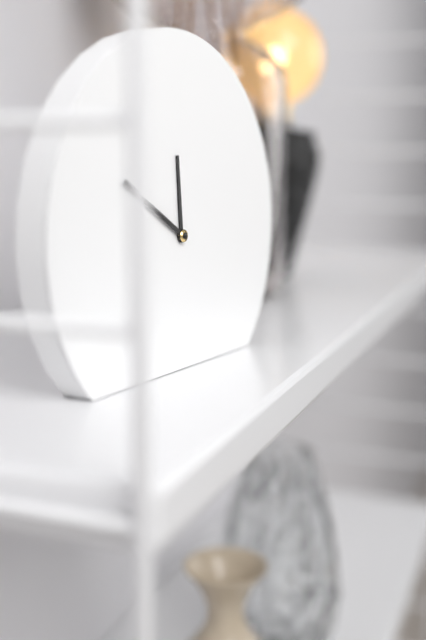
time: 11:50
